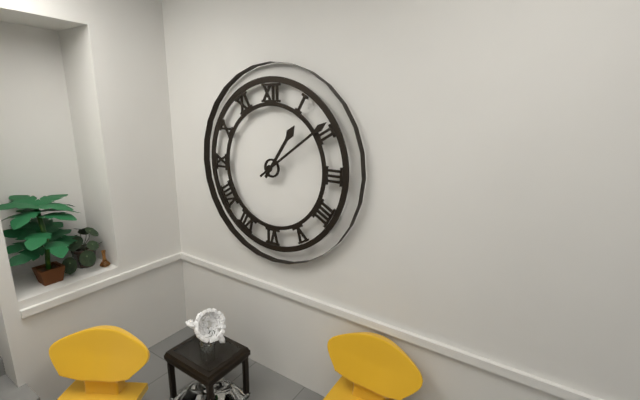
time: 1:09
